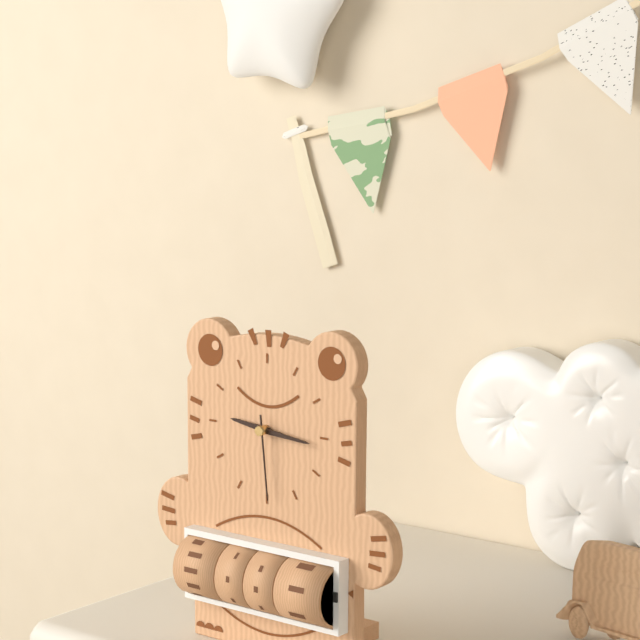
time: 9:16:29
